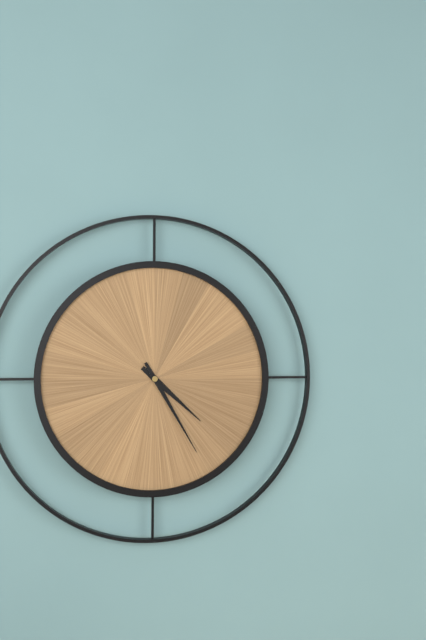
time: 4:25
